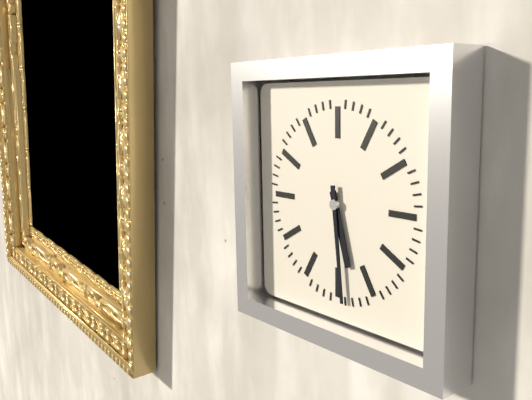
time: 5:29
